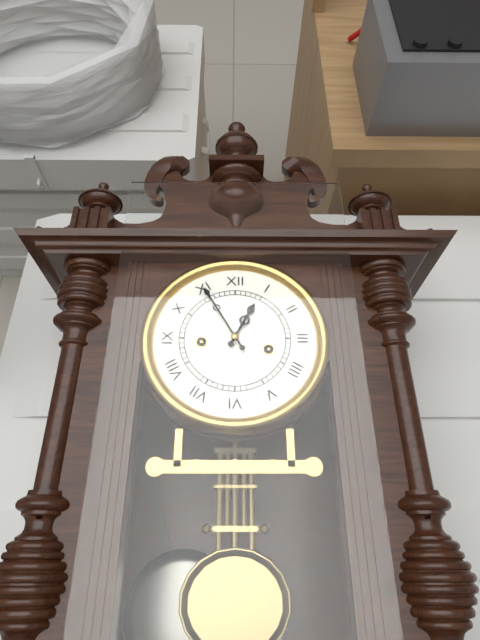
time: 12:55
